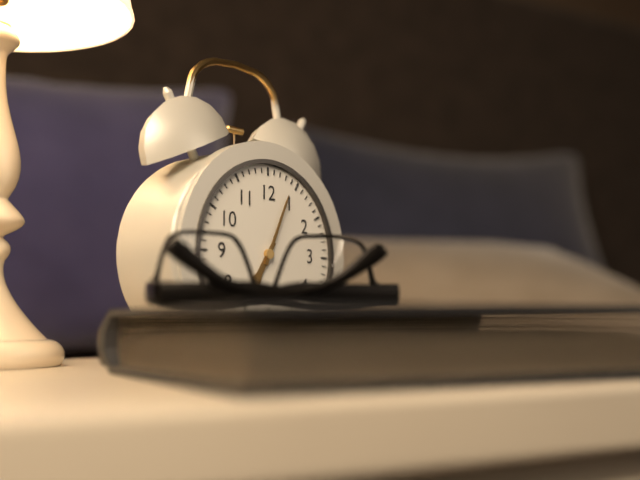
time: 7:04
